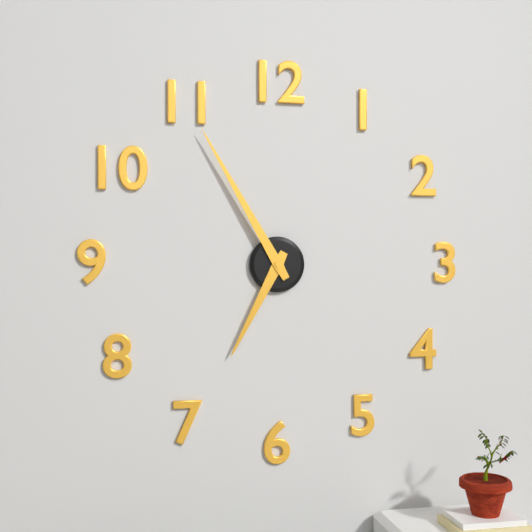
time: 6:55
